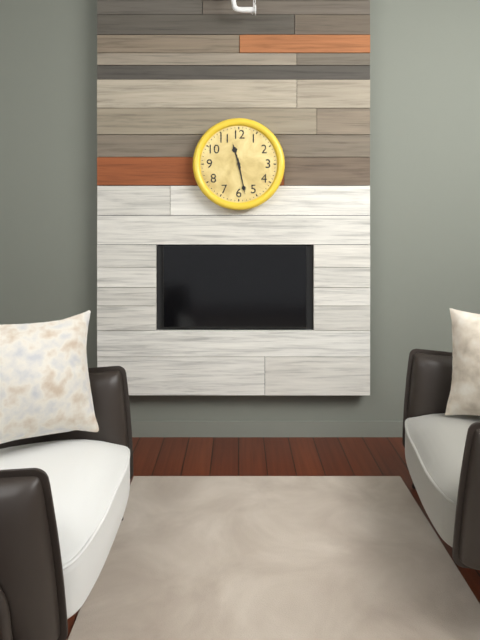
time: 11:28
